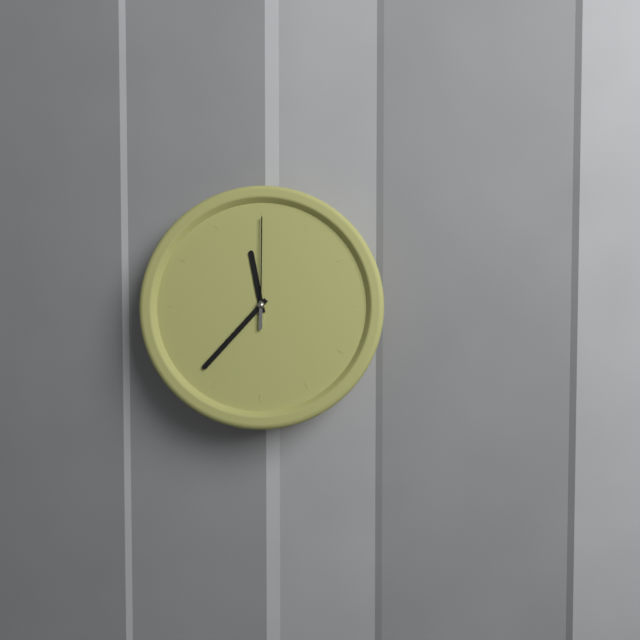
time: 11:37:00
